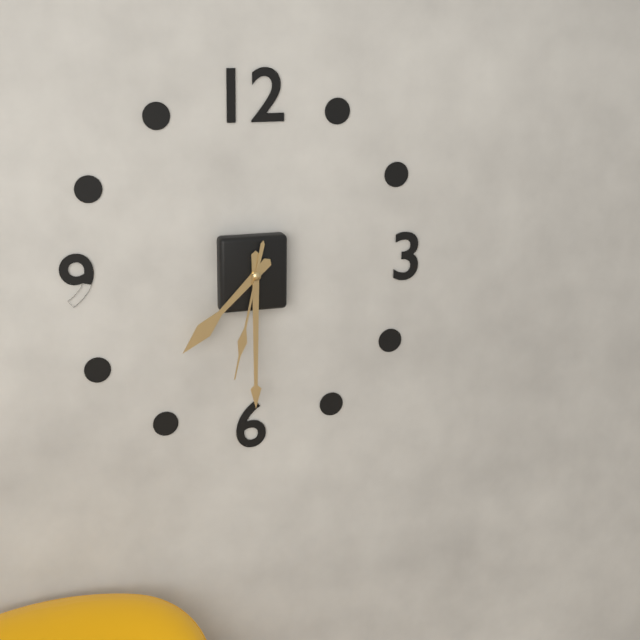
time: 7:30:32
